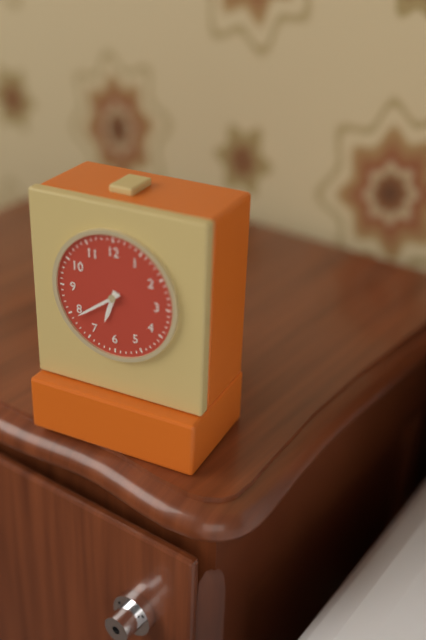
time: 6:39
